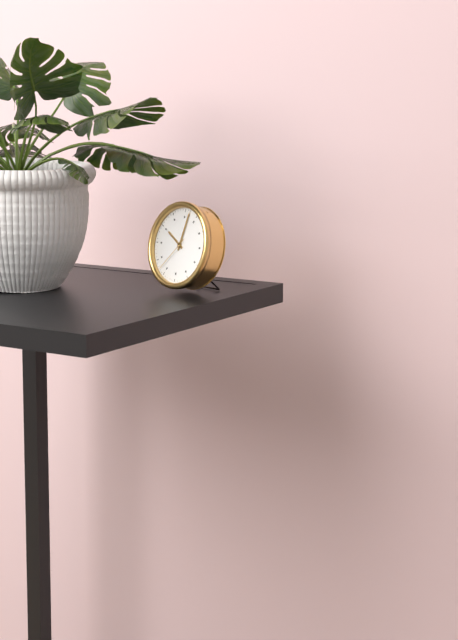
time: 10:02
